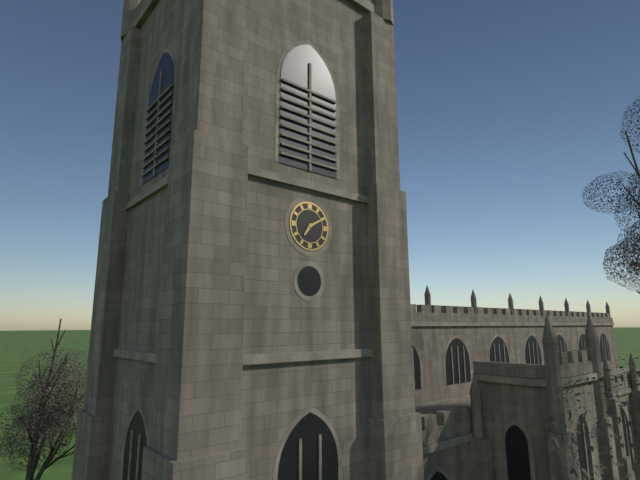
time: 7:10
